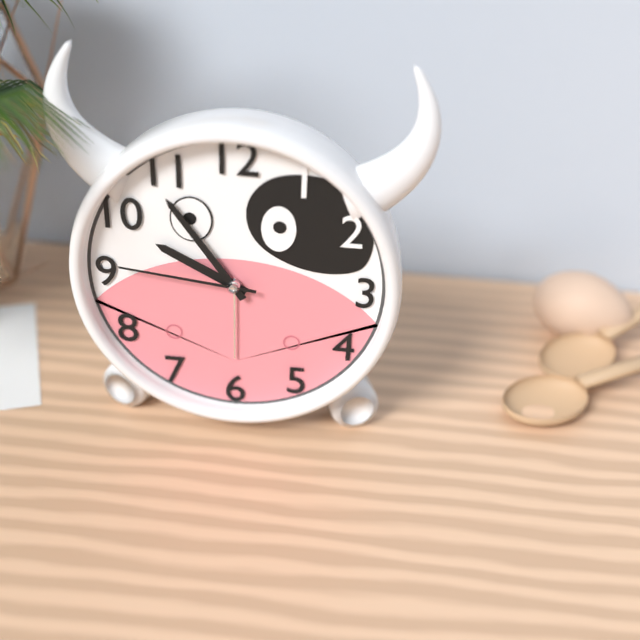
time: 9:54:46
